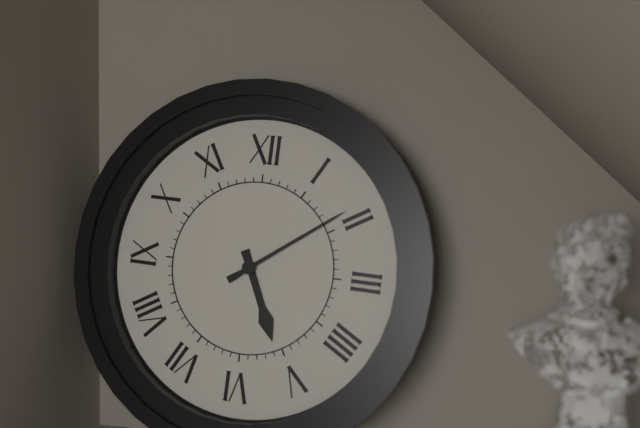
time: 5:09
